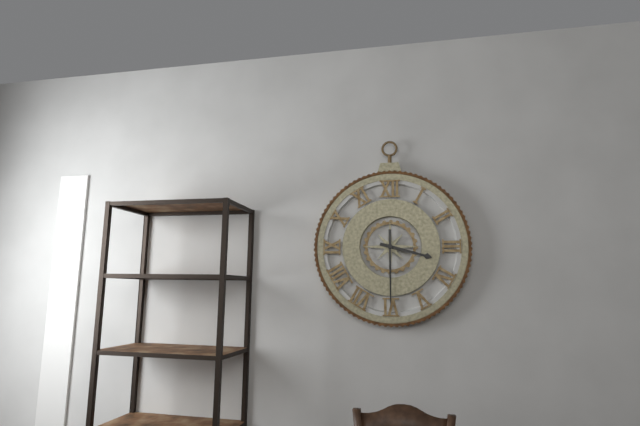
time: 3:30
